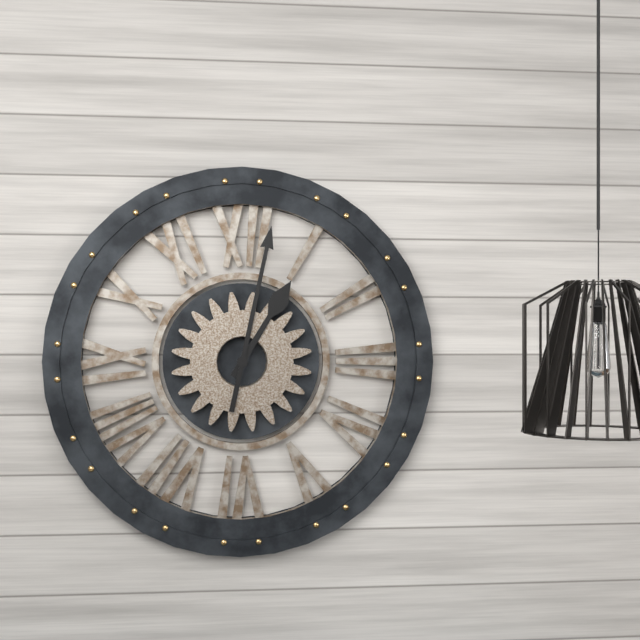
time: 1:02
